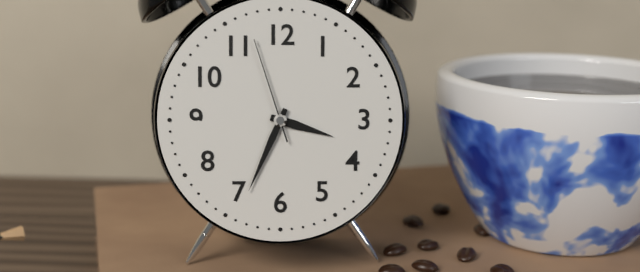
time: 3:34:57
